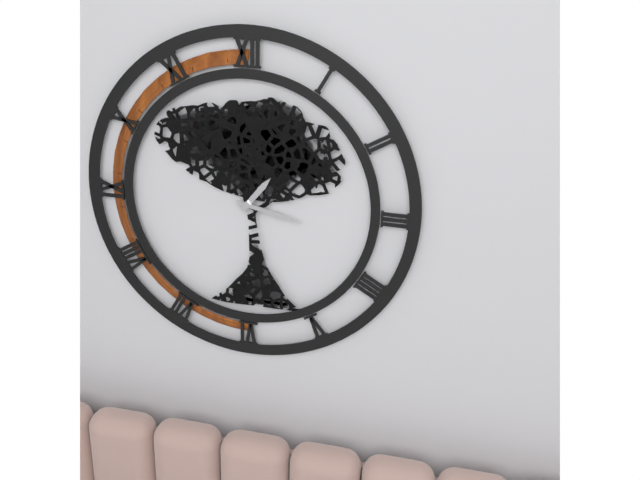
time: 1:17
